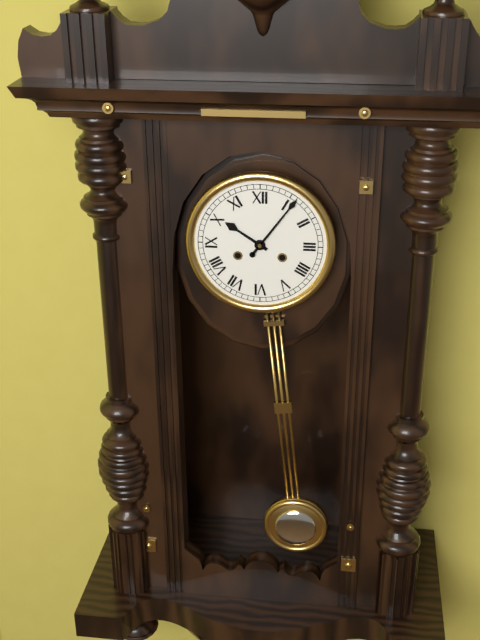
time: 10:06
